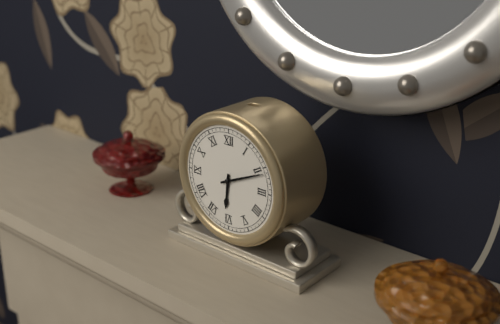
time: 6:11
